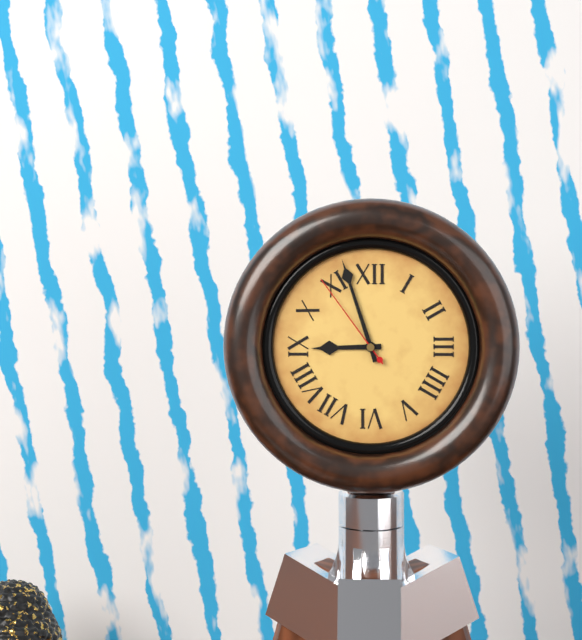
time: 8:57:54
